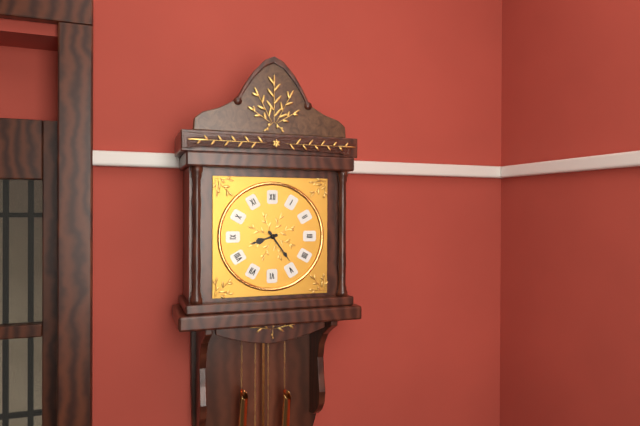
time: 8:24
